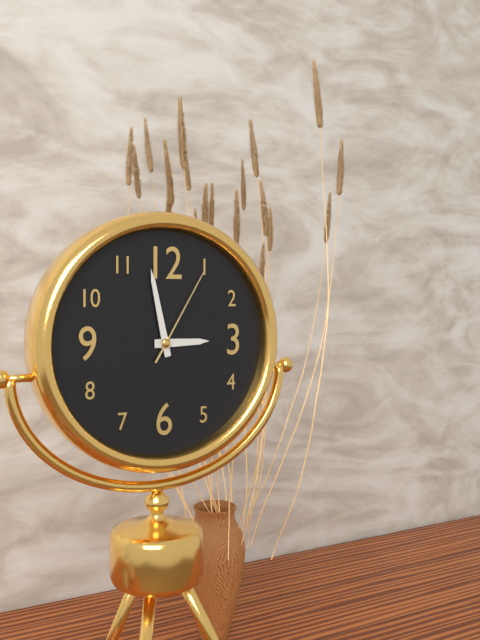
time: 2:58:05
